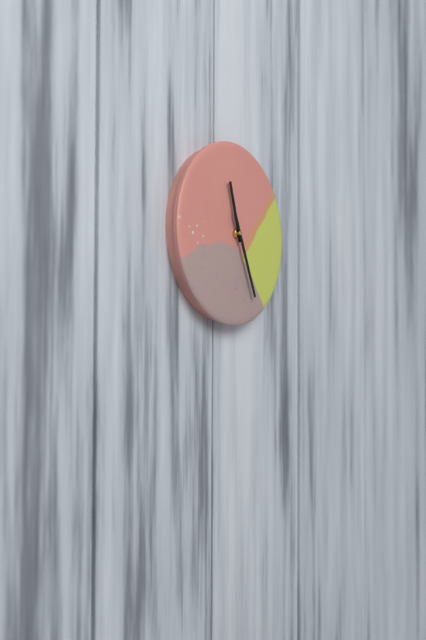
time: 11:26
